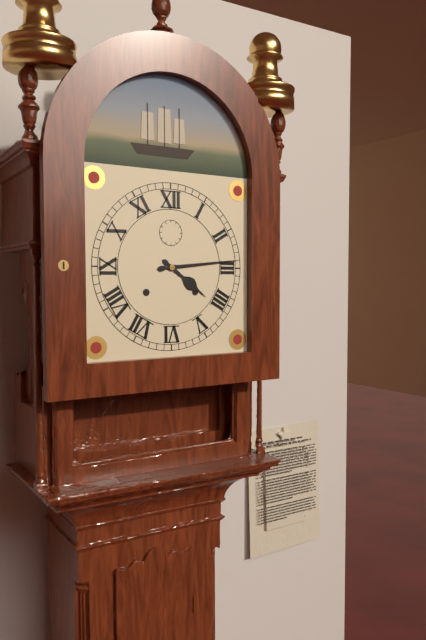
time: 4:14
